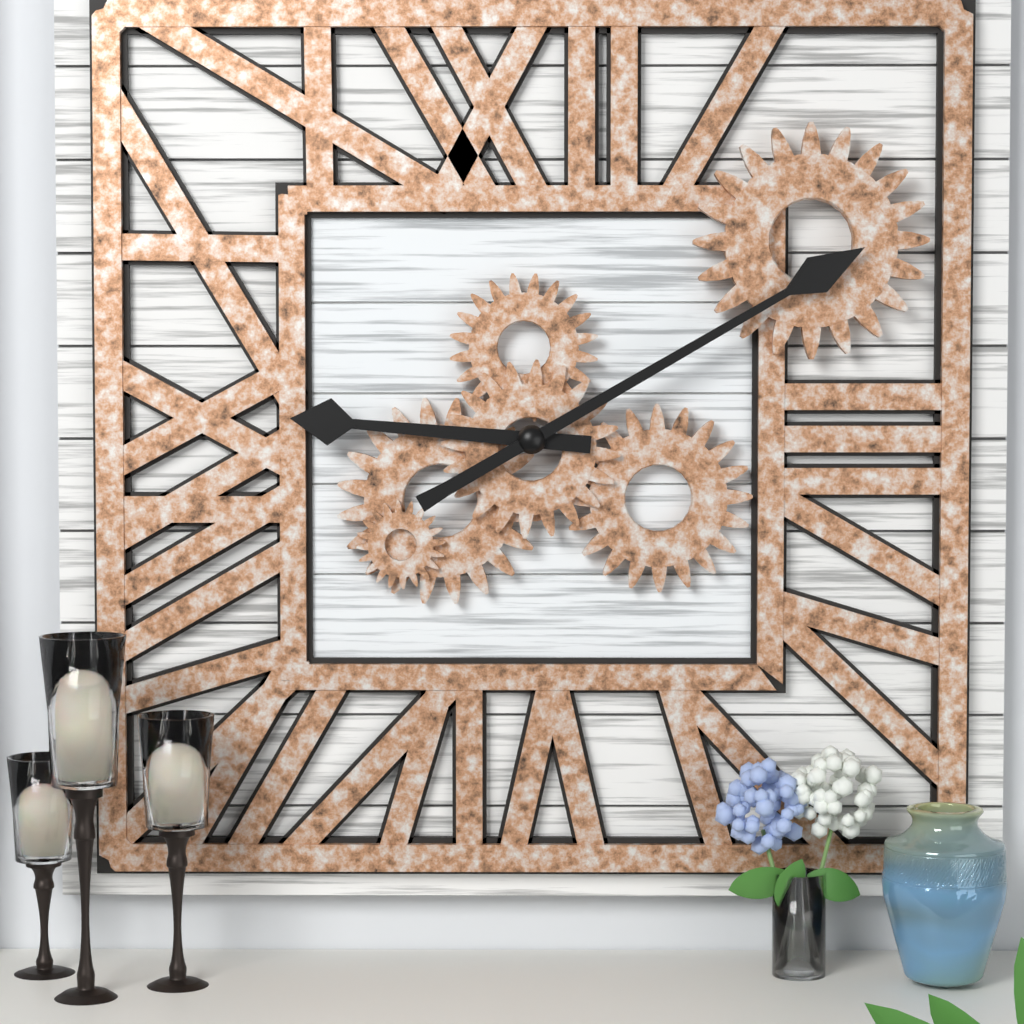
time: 9:10
